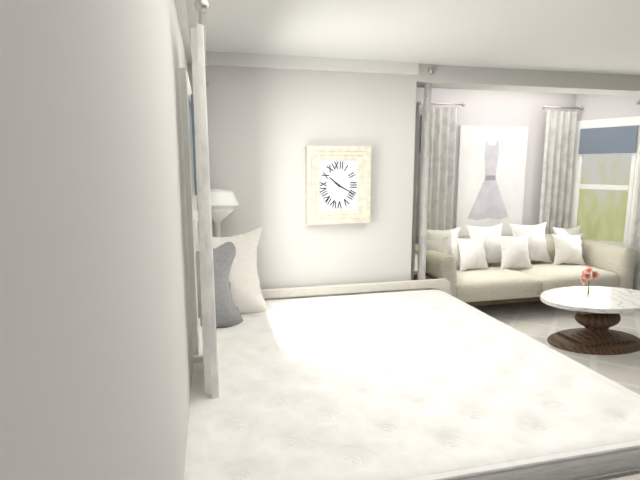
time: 10:20
